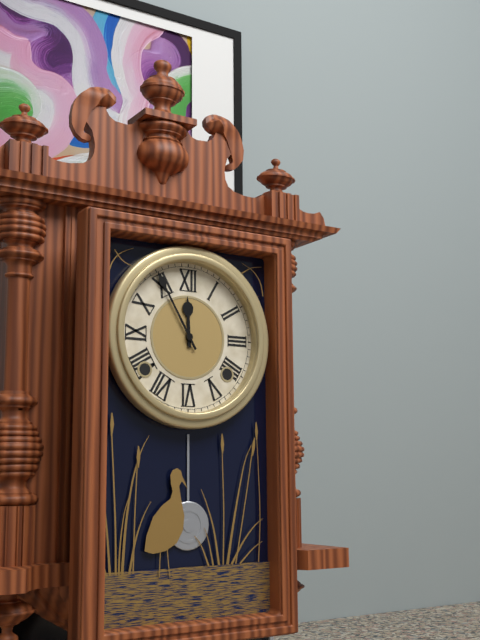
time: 11:55
